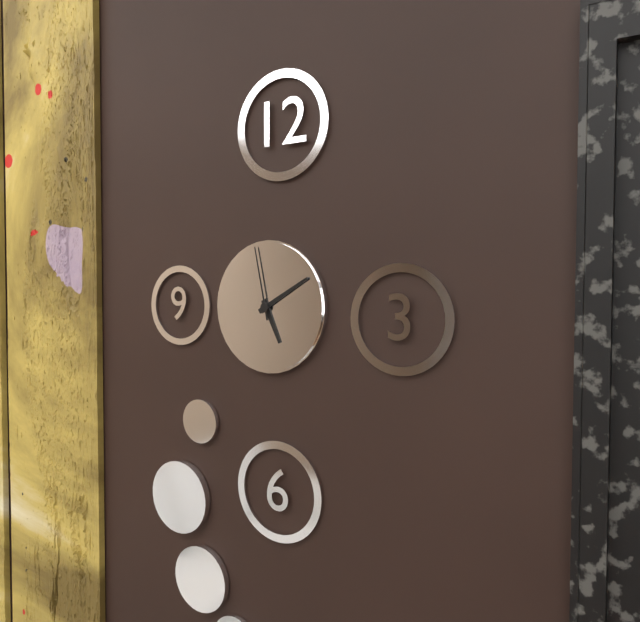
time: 5:10:58
